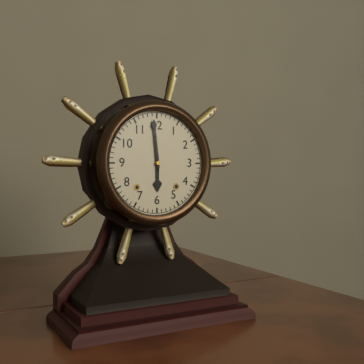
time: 5:59
